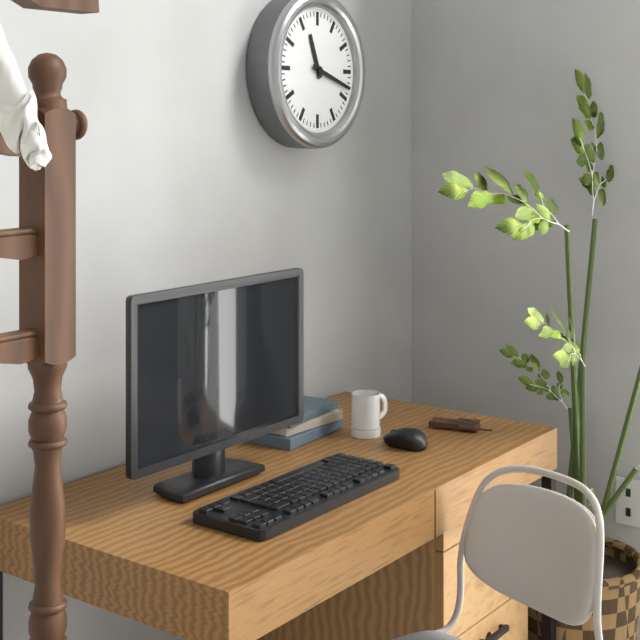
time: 11:18
